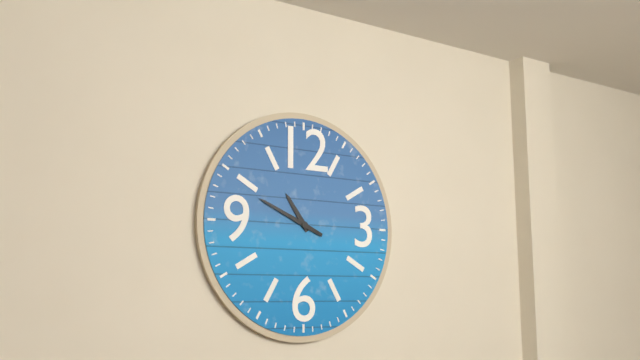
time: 10:49
